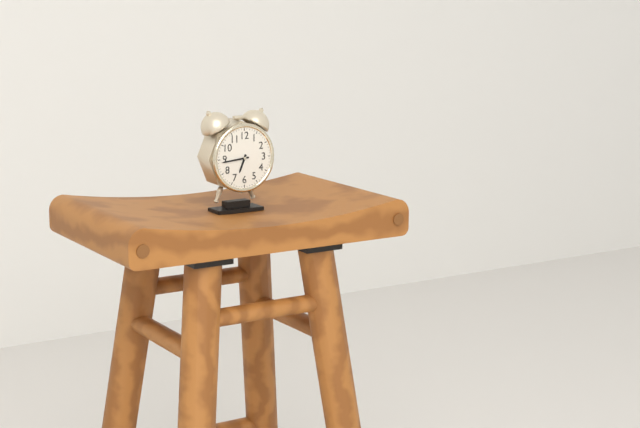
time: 6:44
